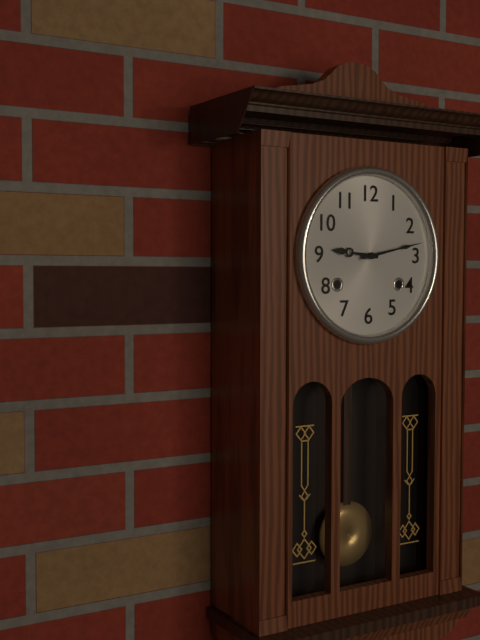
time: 9:13
